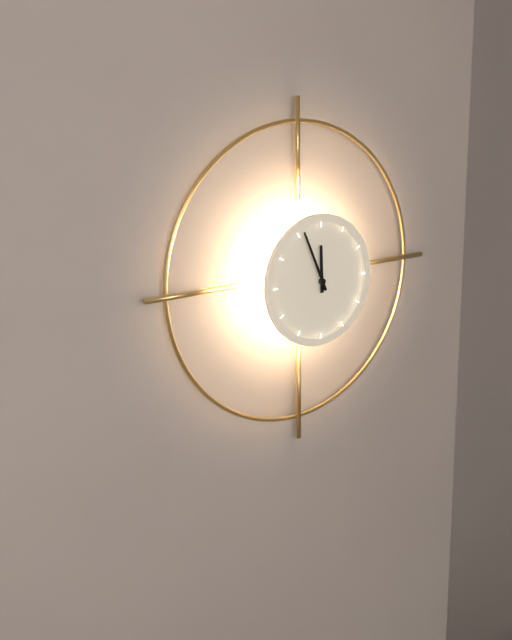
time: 11:56
